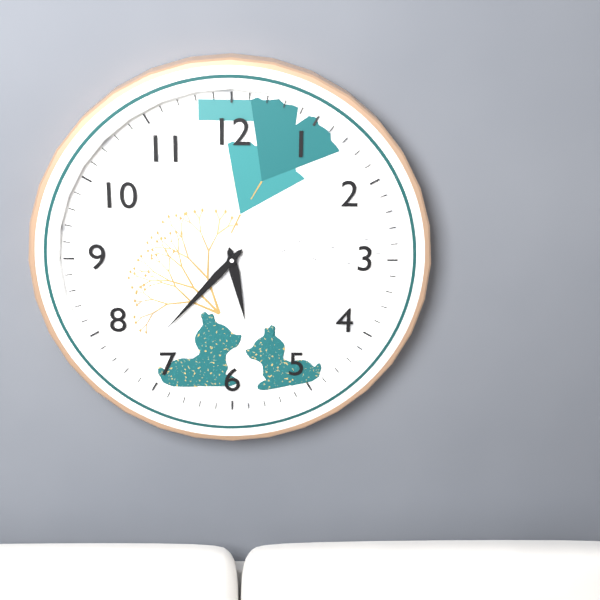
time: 5:37
